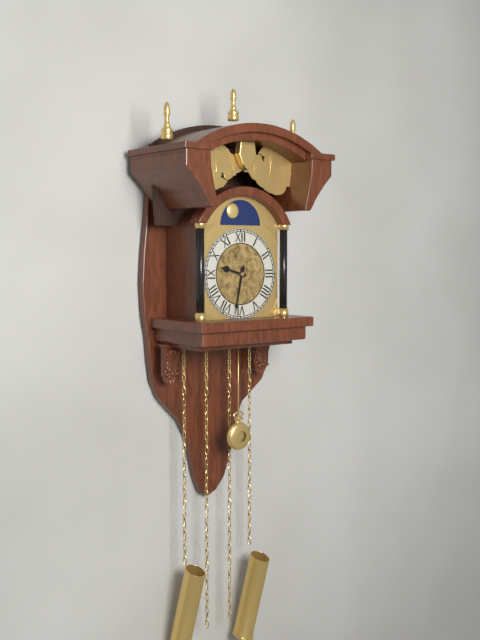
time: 9:32
